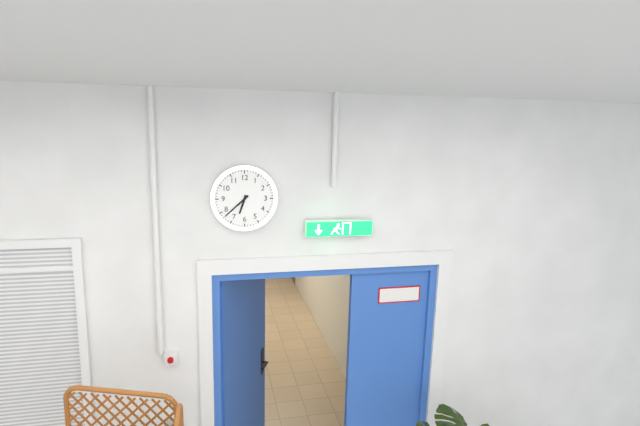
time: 6:38
